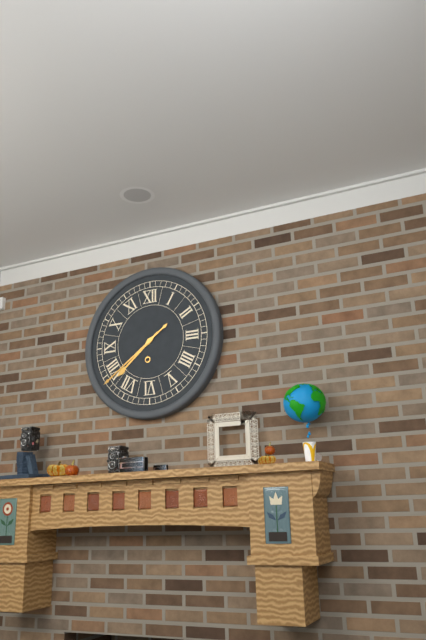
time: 7:39
